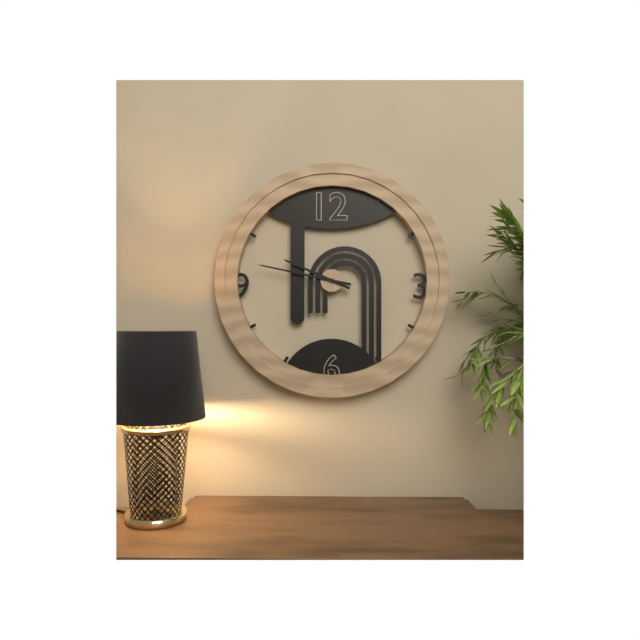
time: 9:47
